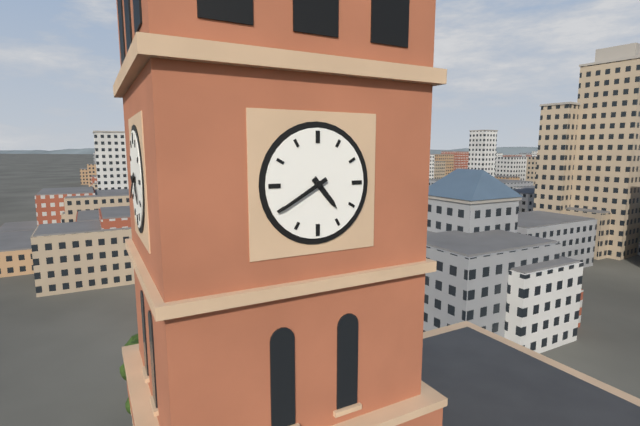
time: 4:40
